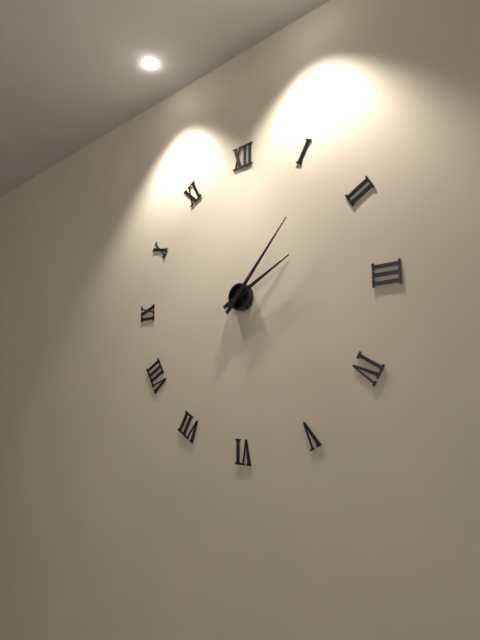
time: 2:07
